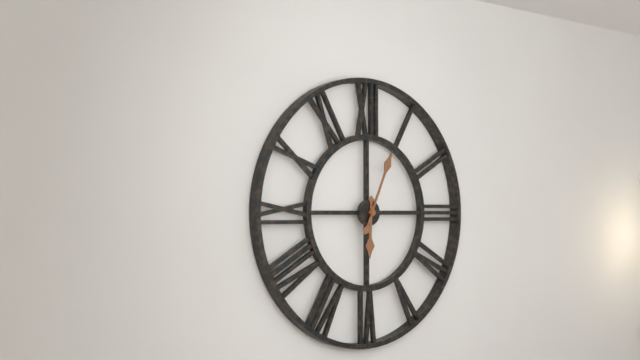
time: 6:04
